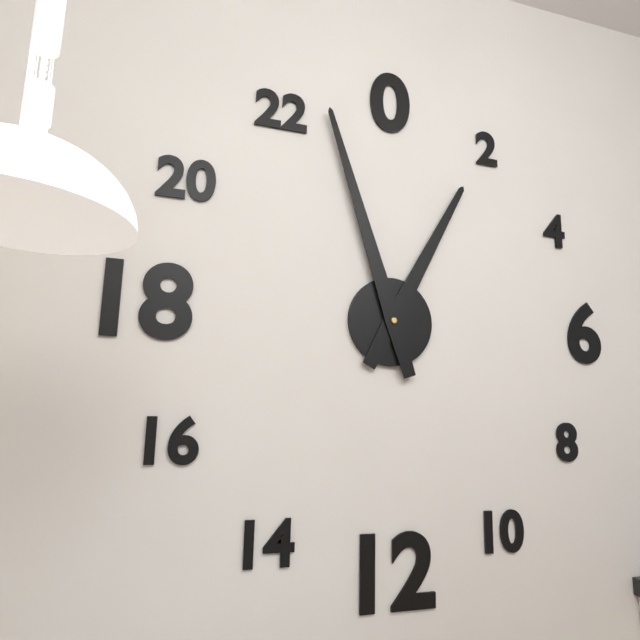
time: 12:57
